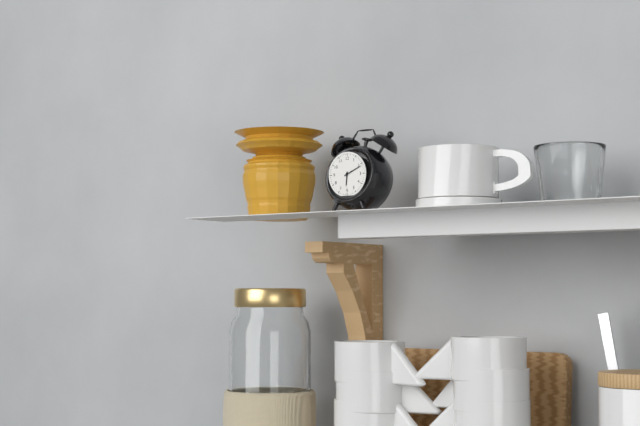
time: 6:11
